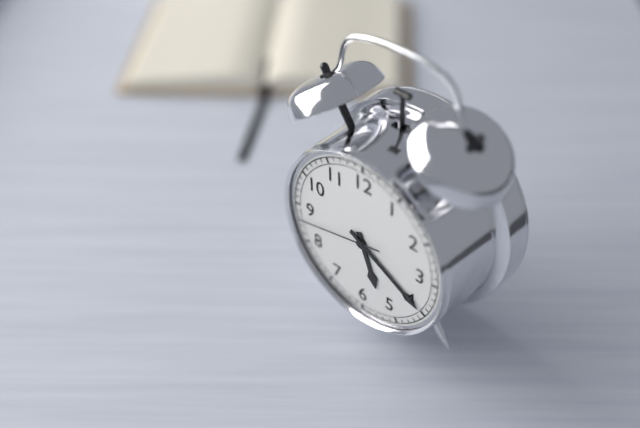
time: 5:20:43
